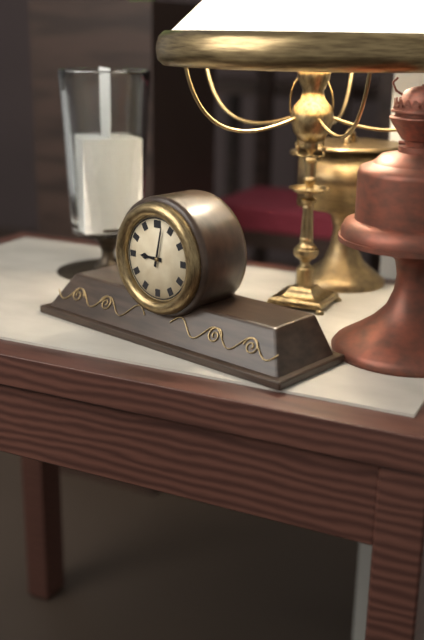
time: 9:02
